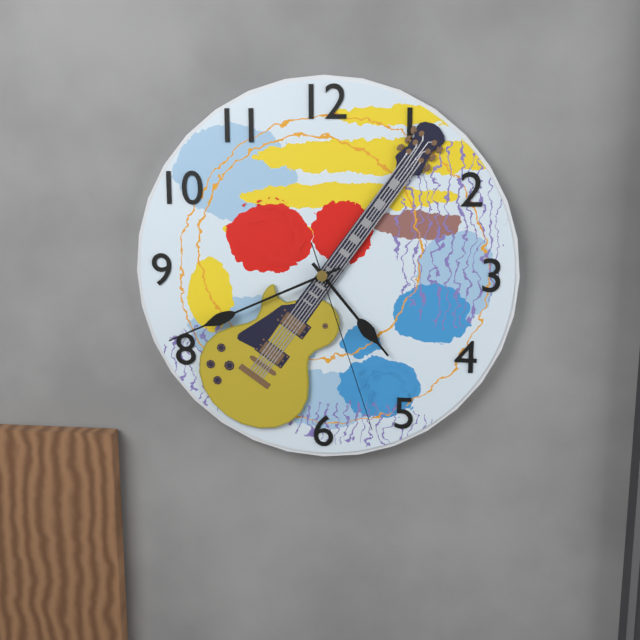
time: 4:41:27
